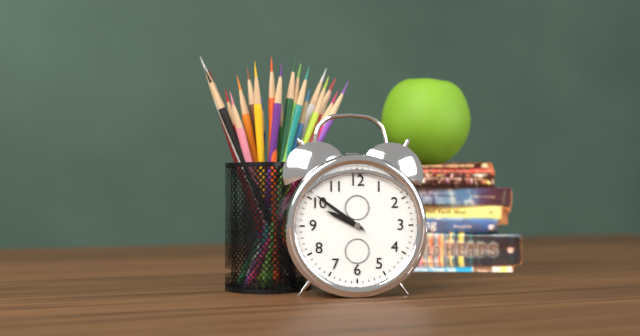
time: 9:51
